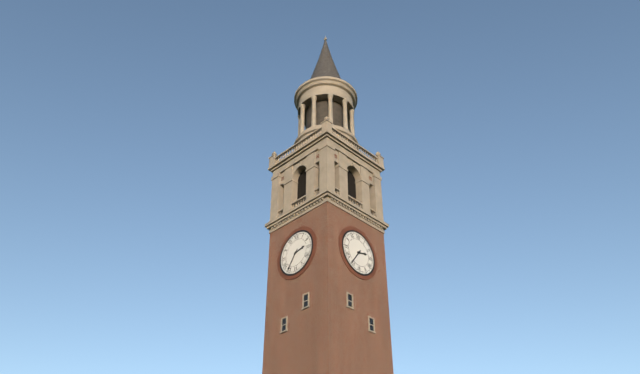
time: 2:36
